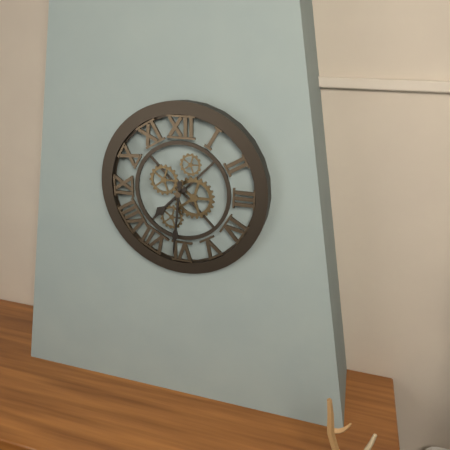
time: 7:31
